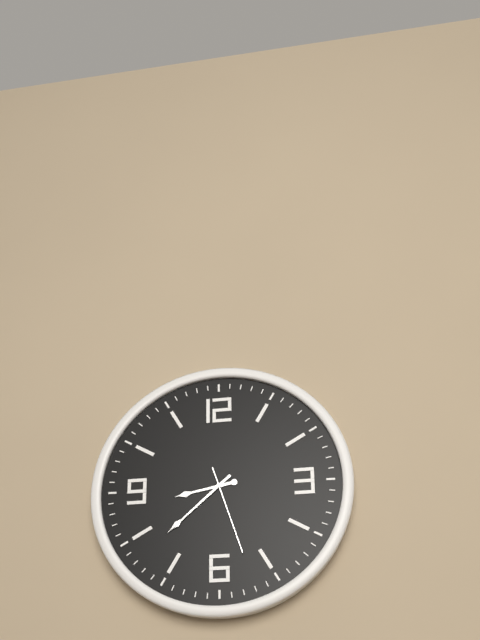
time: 8:38:27
